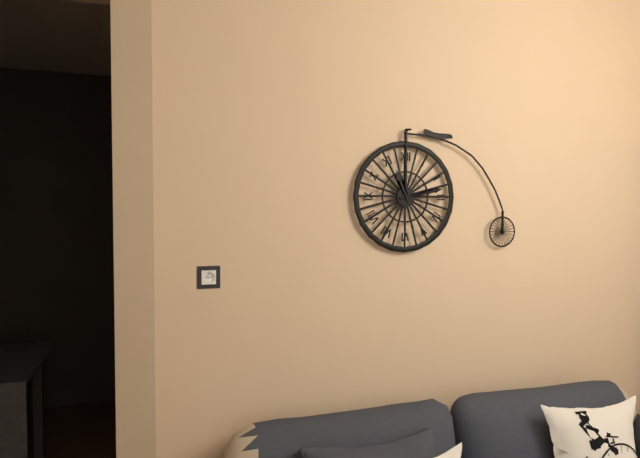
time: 11:13
